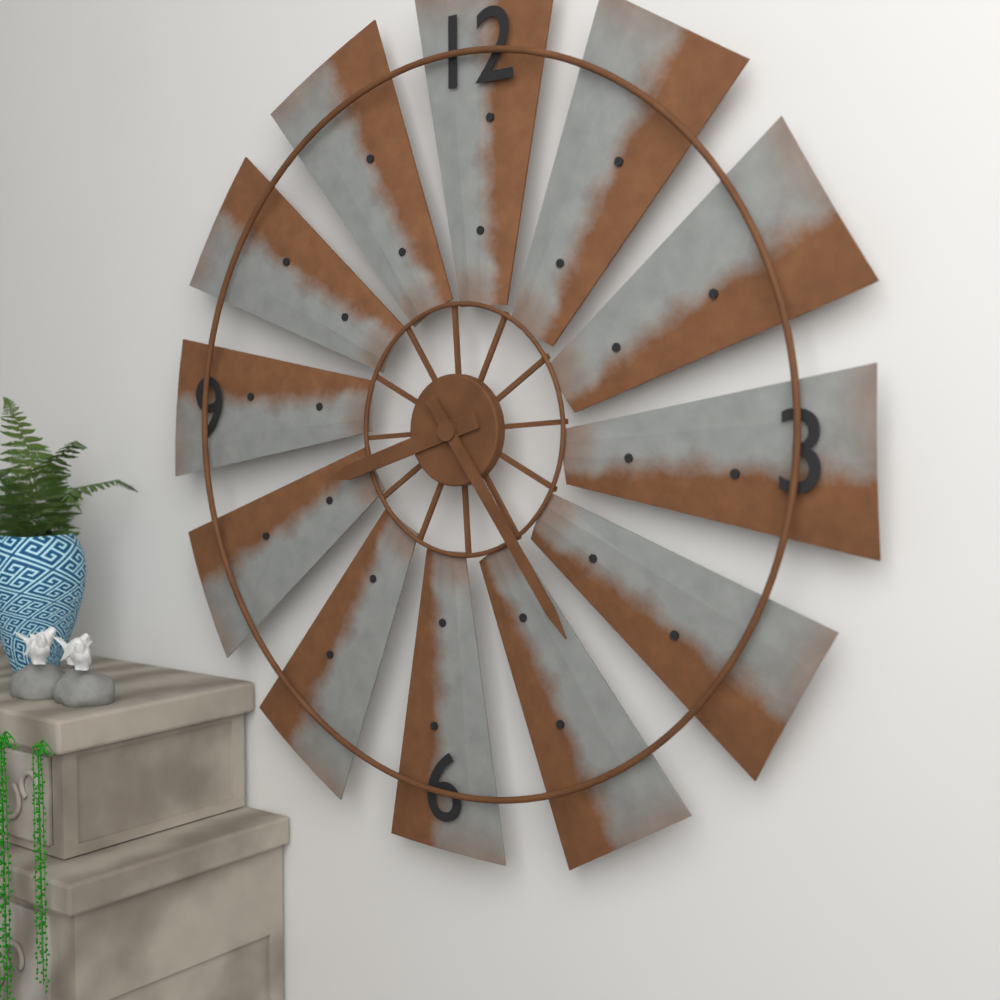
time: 8:24
